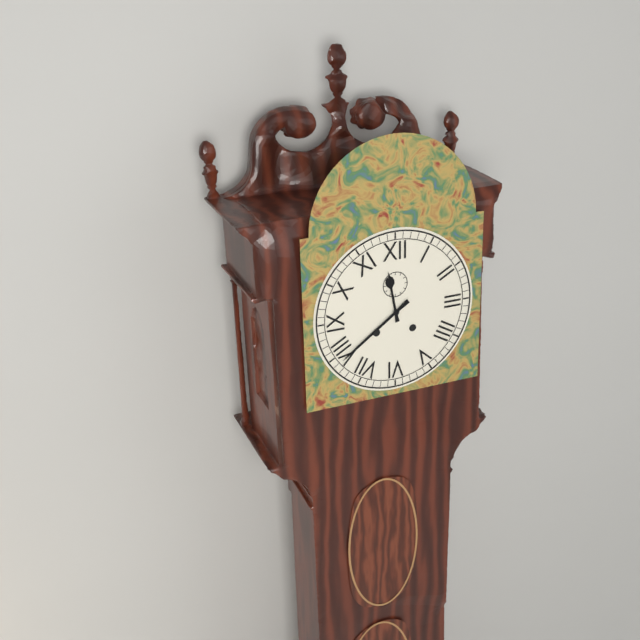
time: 11:39
